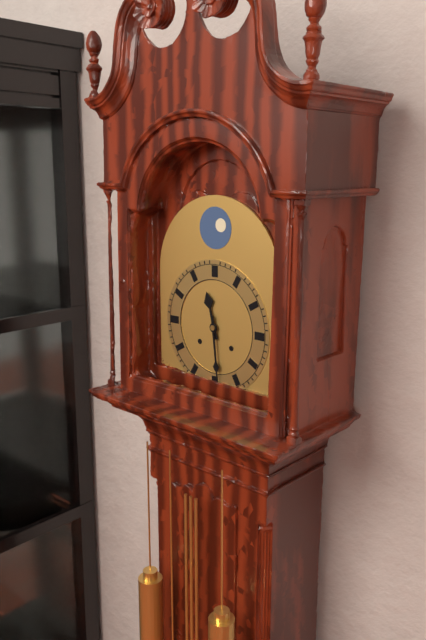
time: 11:29
